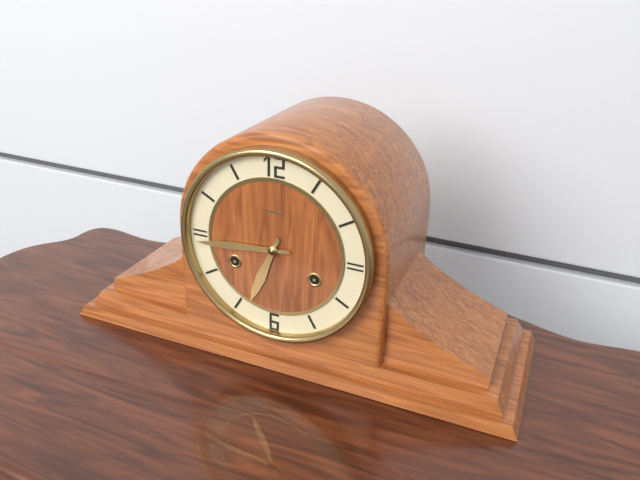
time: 6:44
